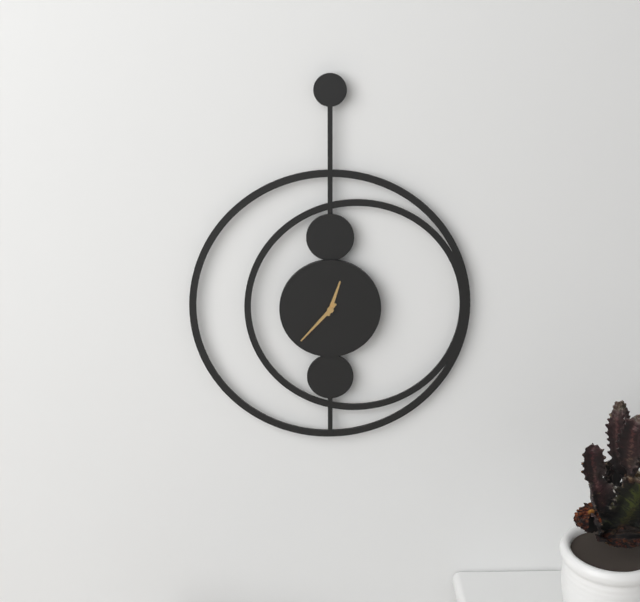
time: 12:37
